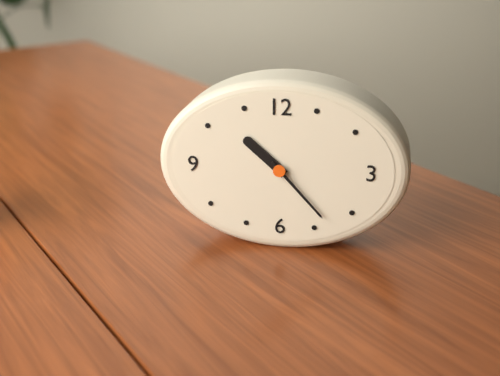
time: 10:23
